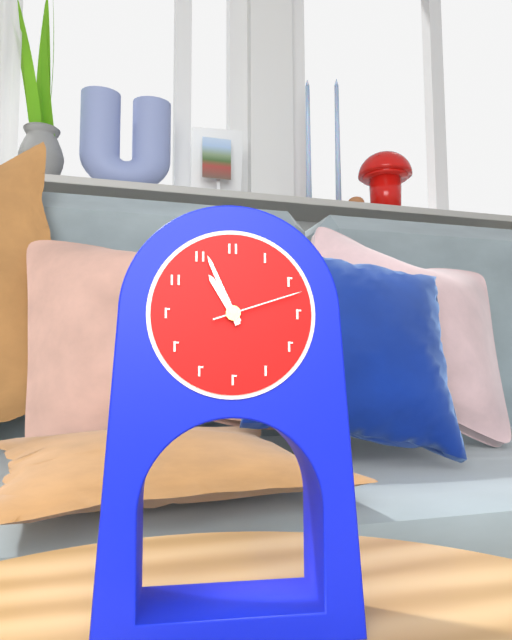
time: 10:56:12
